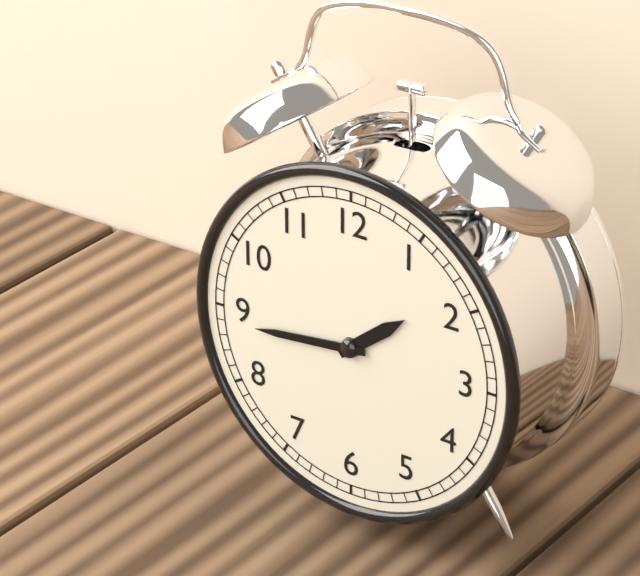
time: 1:44
